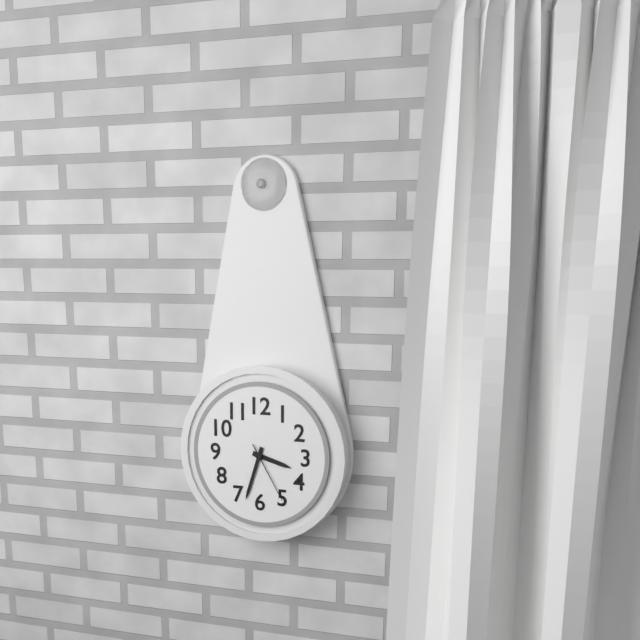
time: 3:33:25
